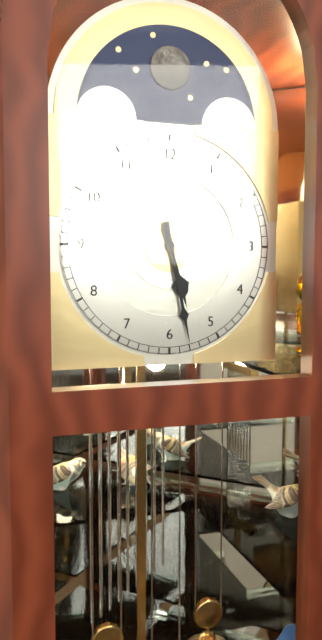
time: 5:28
